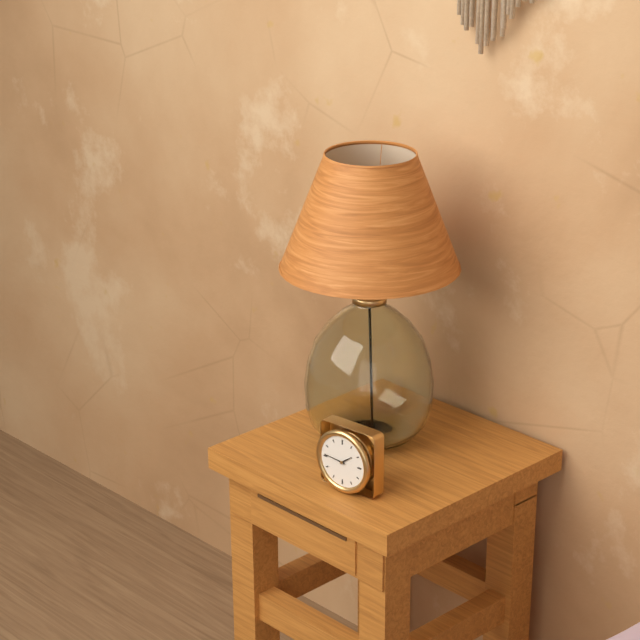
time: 1:46
